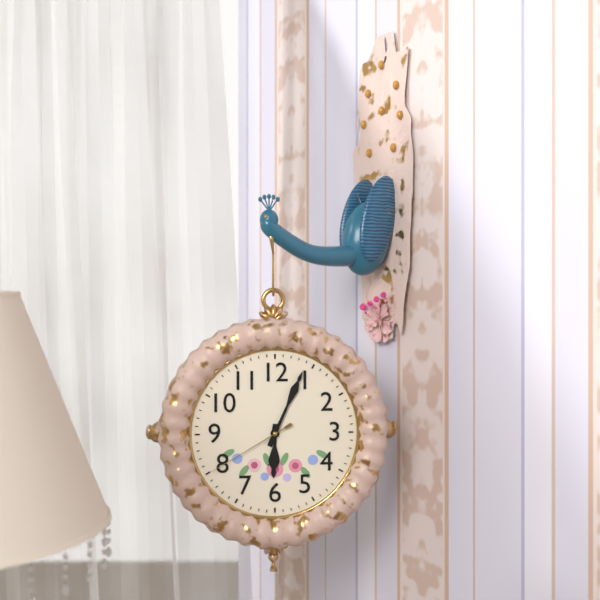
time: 6:04:40
